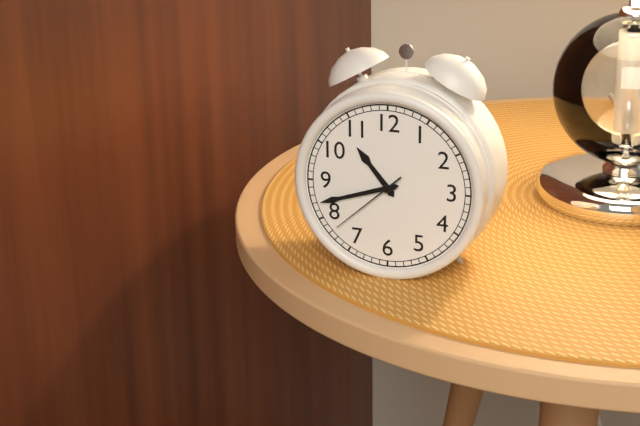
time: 10:42:38
